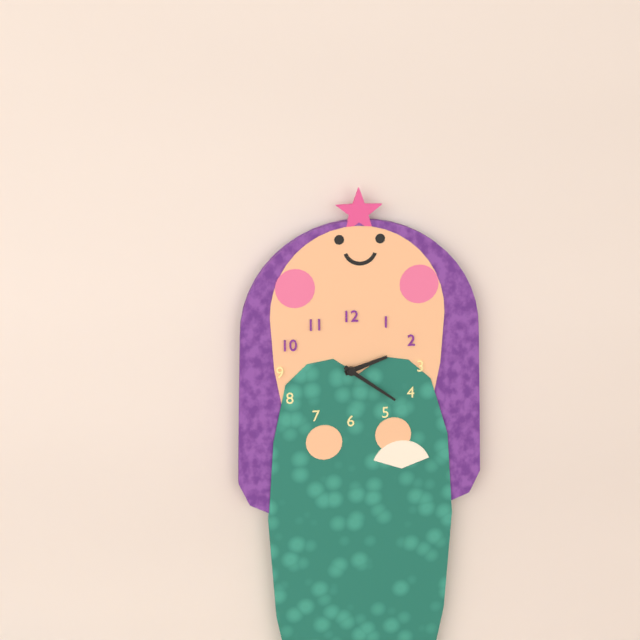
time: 2:21
